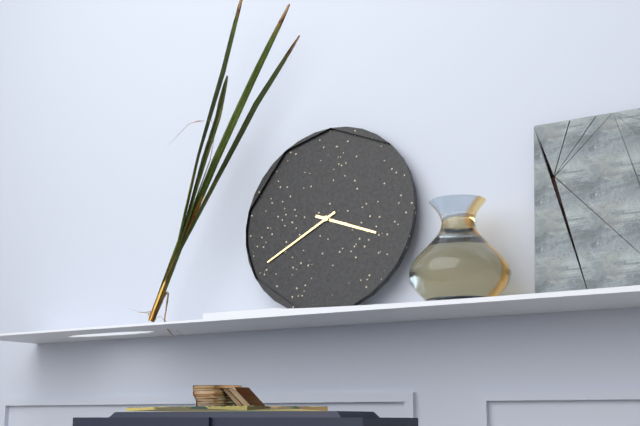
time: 3:40
